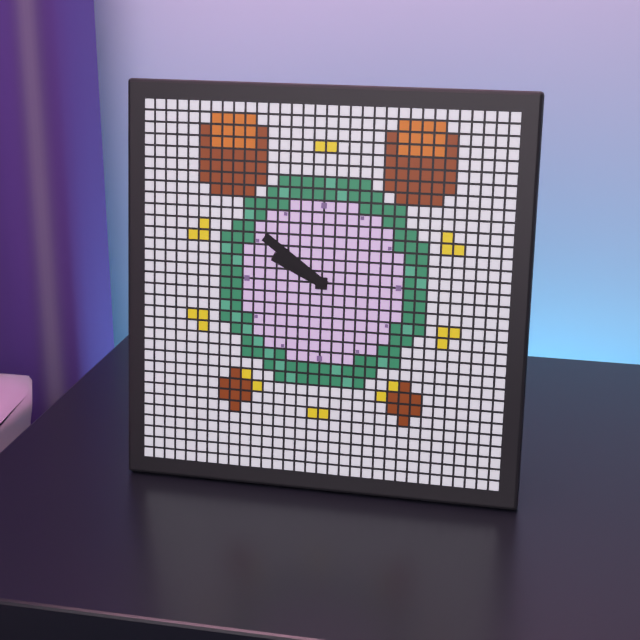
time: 9:51
